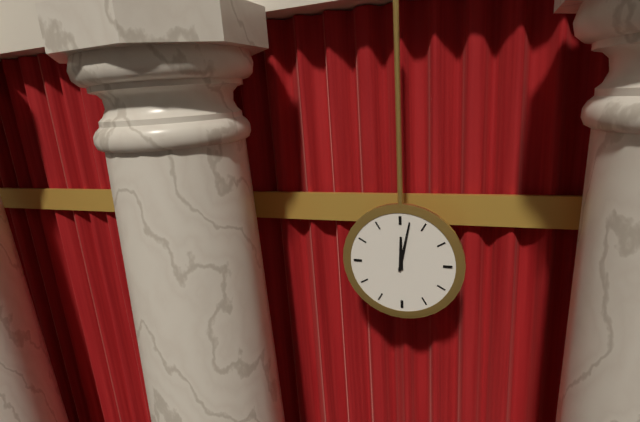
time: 12:02
